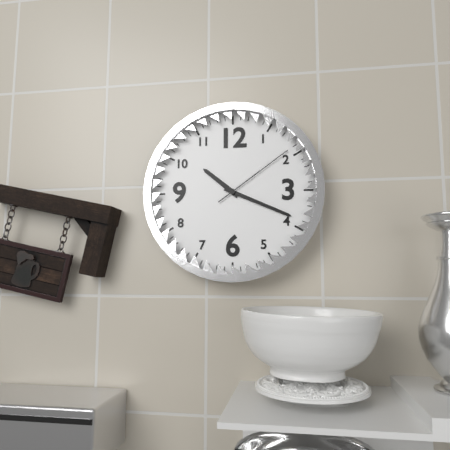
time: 10:19:09
